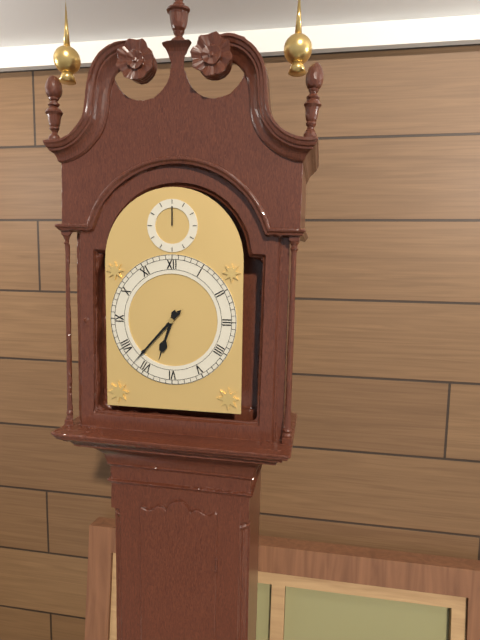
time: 6:37
